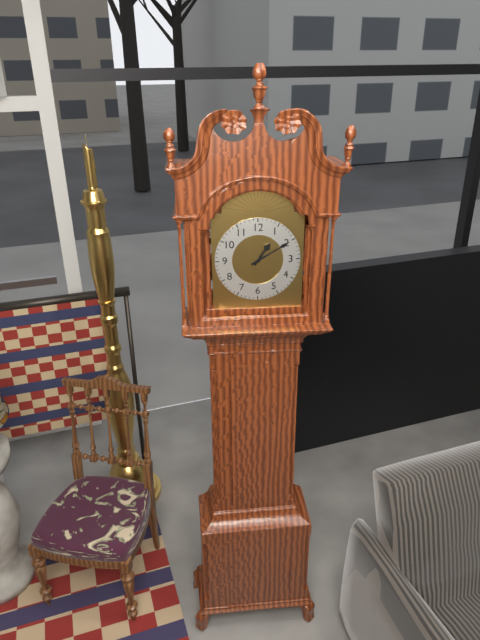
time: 1:10
